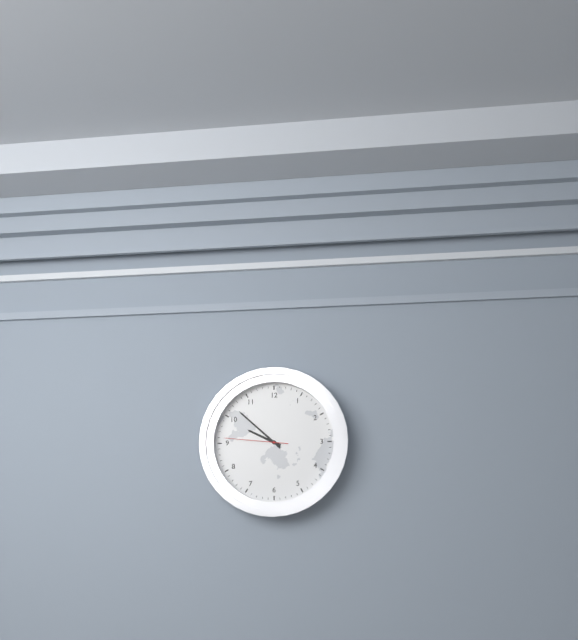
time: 9:52:46
